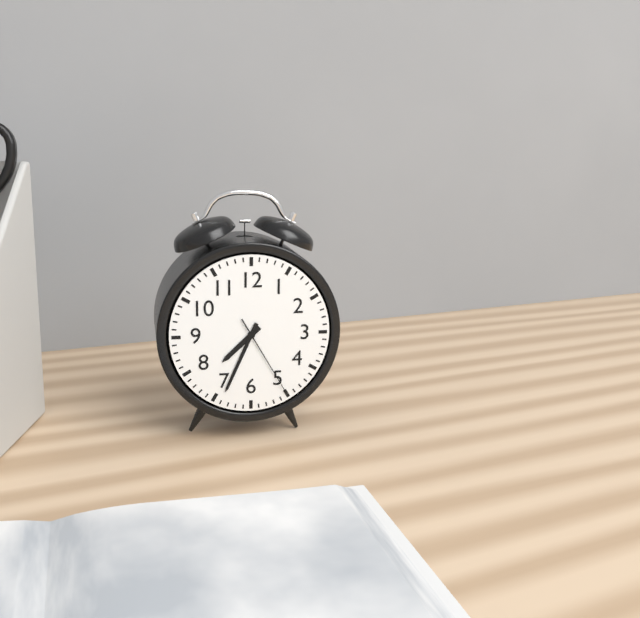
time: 7:34:25
